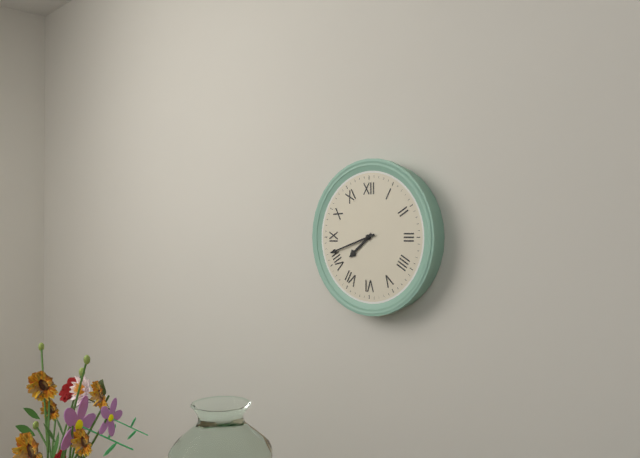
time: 7:42
